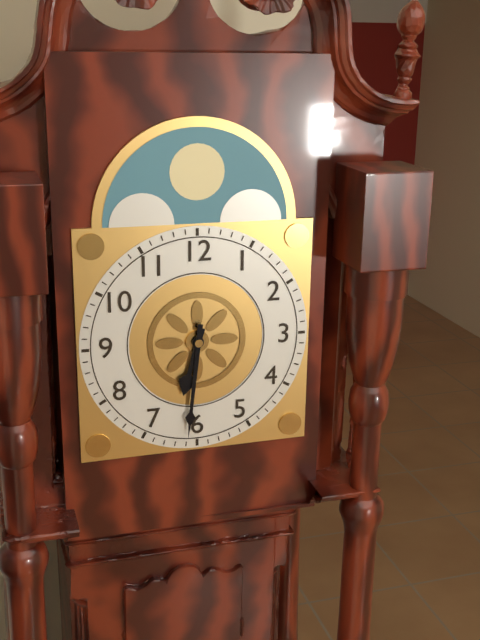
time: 6:31
